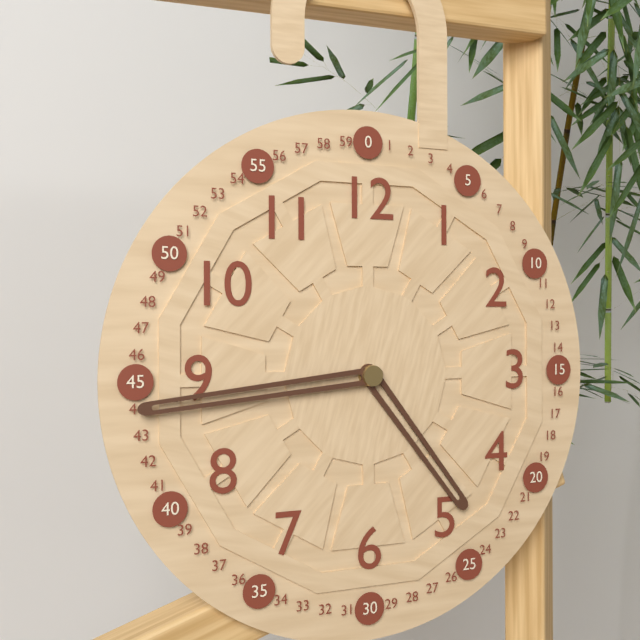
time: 4:44
